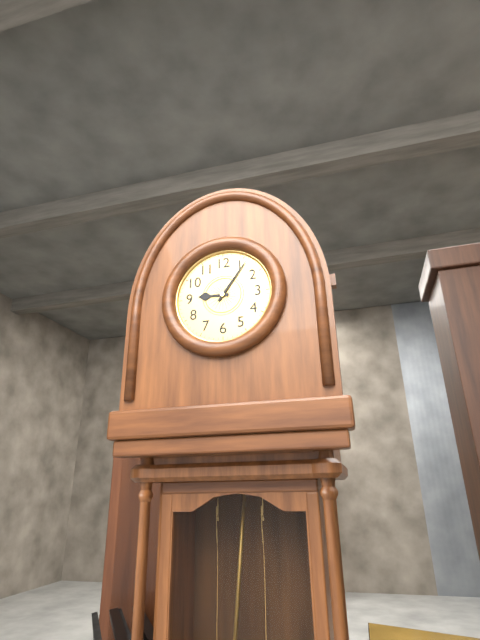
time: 9:06
